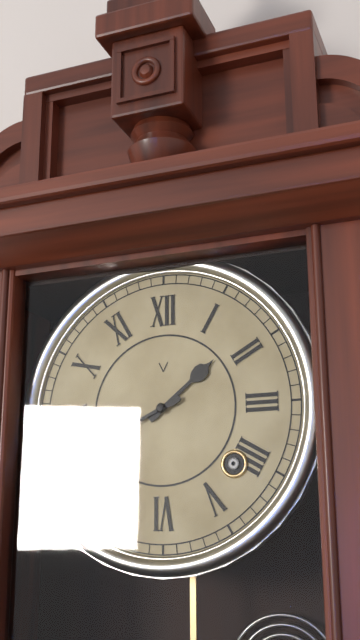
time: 1:41
